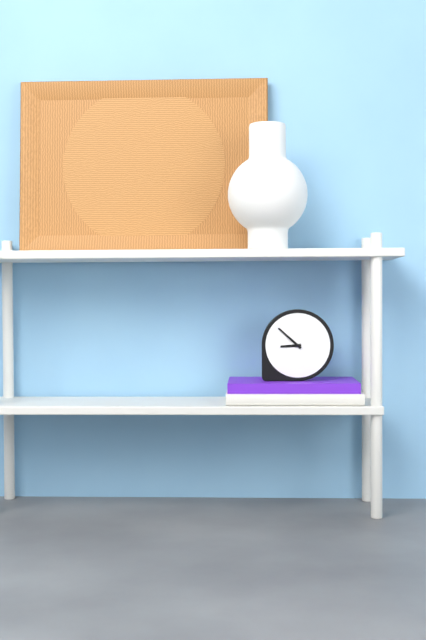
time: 8:52
